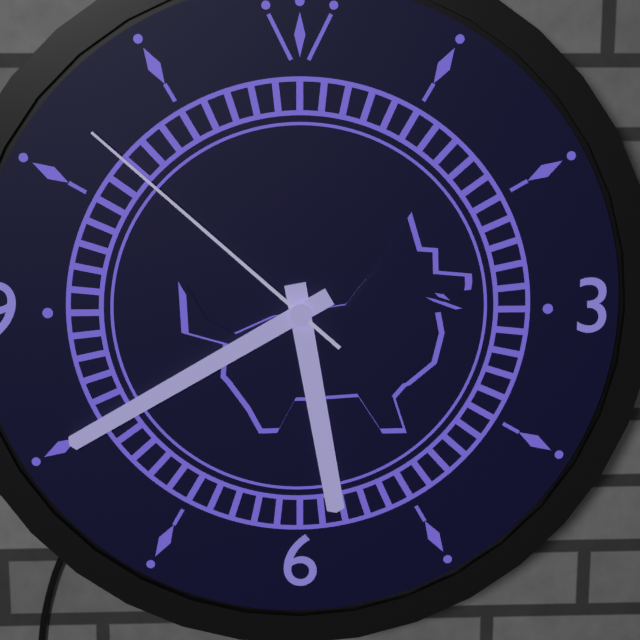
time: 5:40:52
